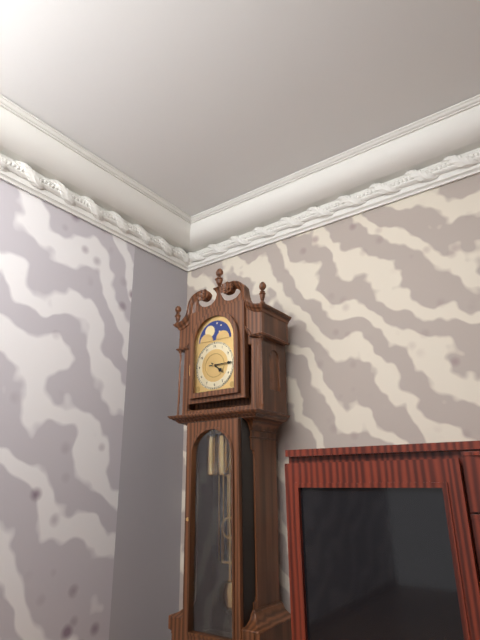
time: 4:15
